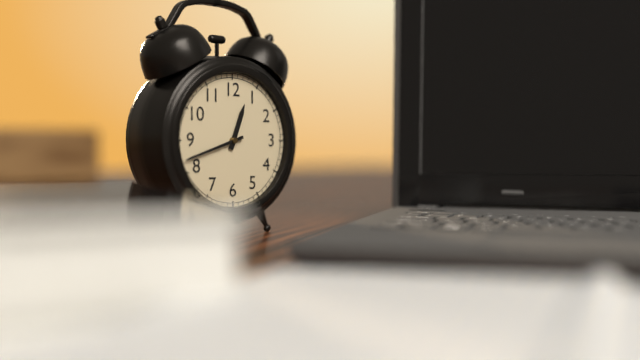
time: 12:42
